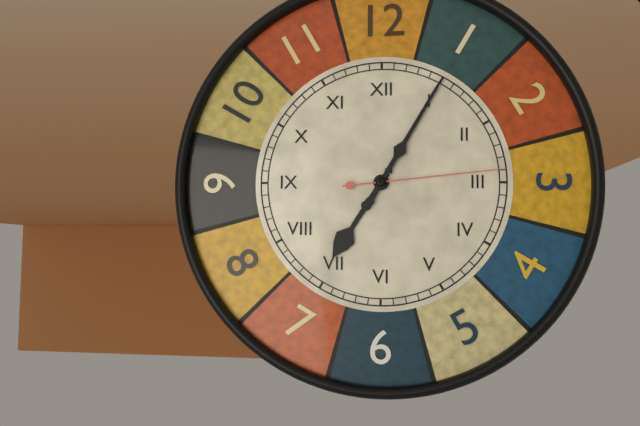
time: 7:05:14
